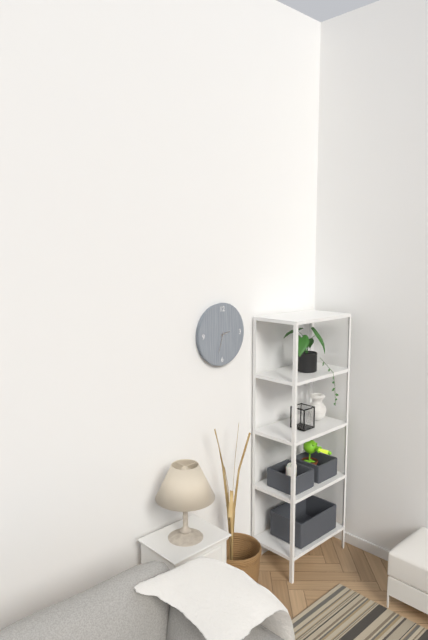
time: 2:33
